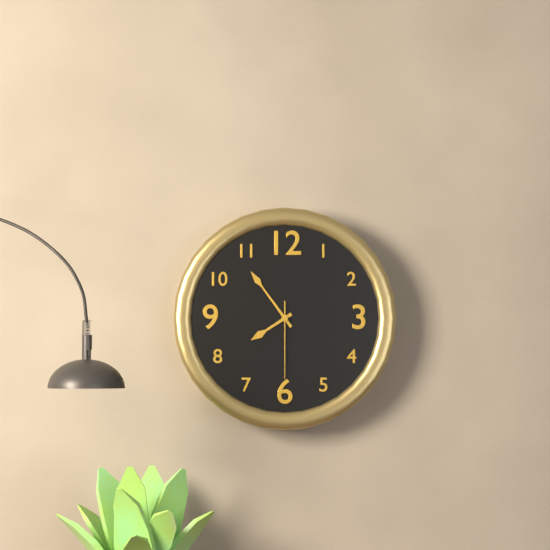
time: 7:54:30
